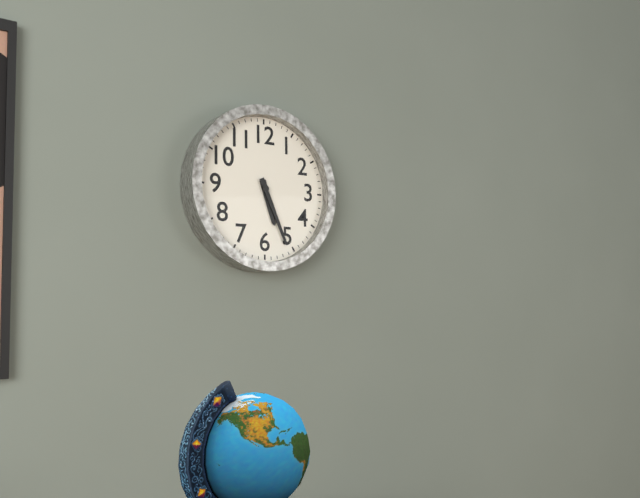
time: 5:26
